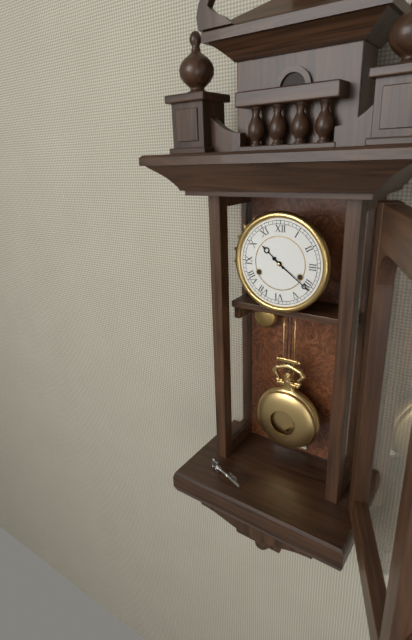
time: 10:21
